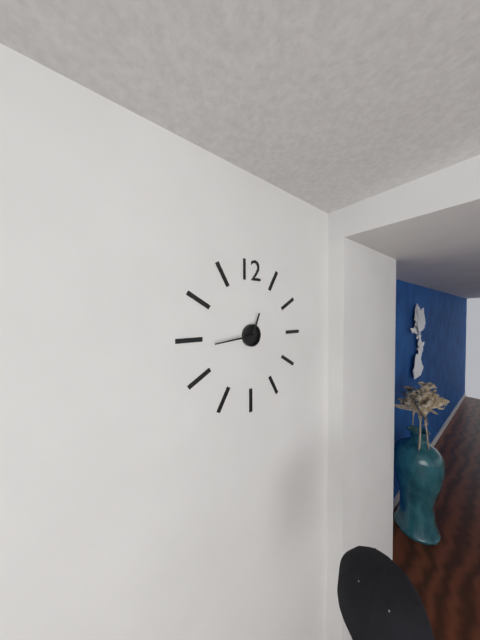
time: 12:44
